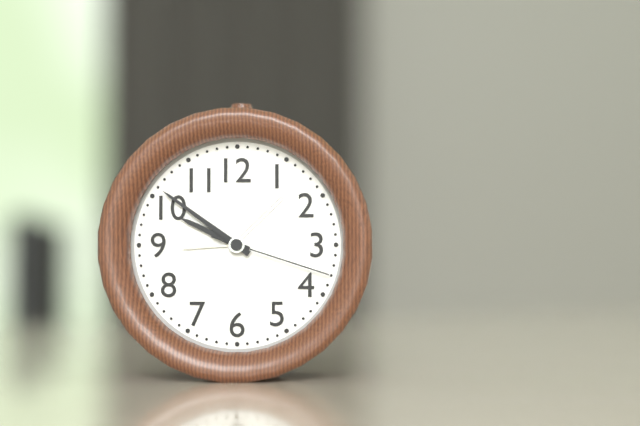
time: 9:51:18
